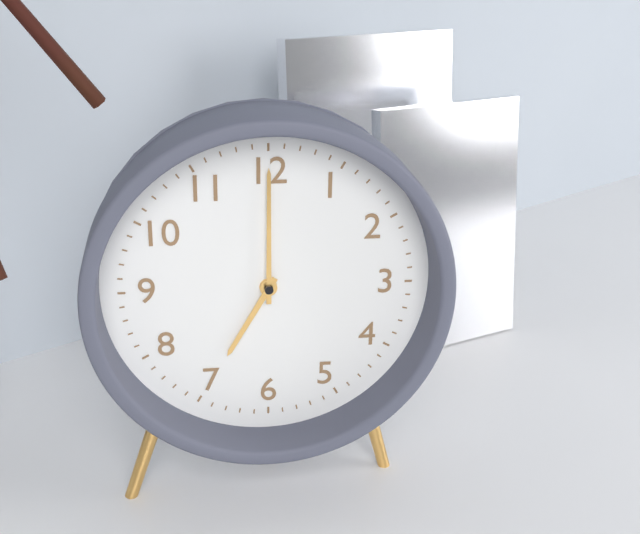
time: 7:00
